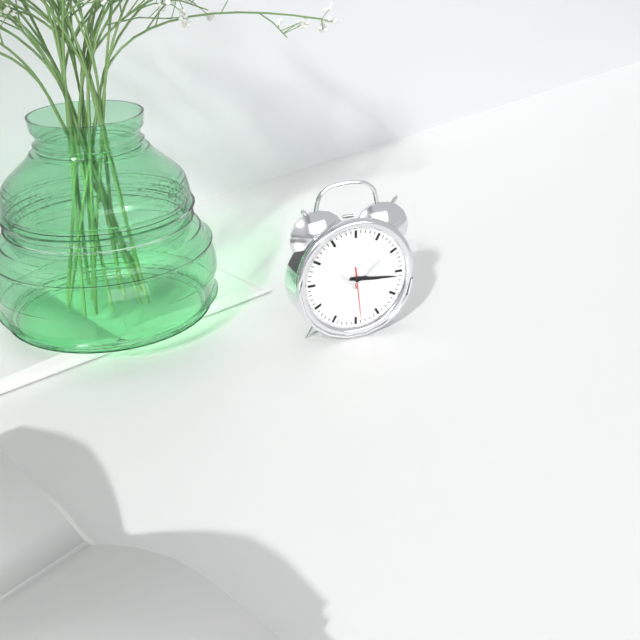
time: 3:16:29
